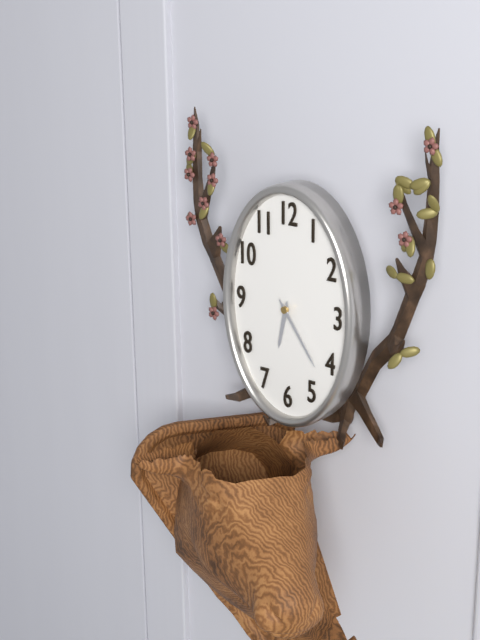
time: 6:24
